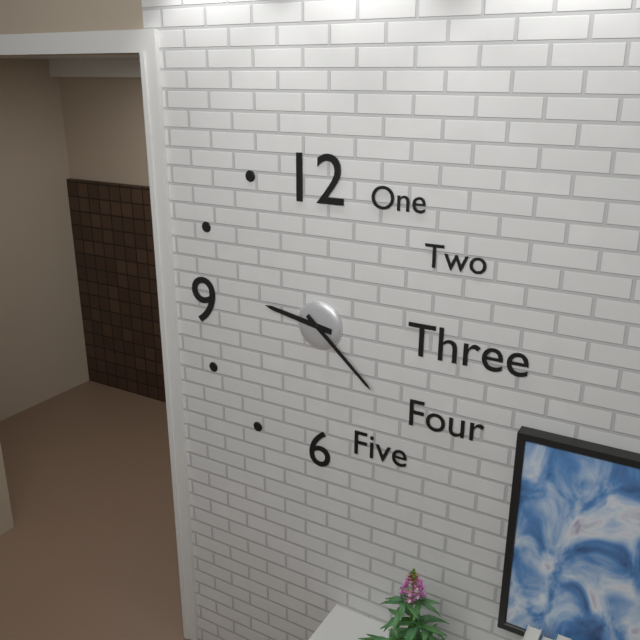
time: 9:22
